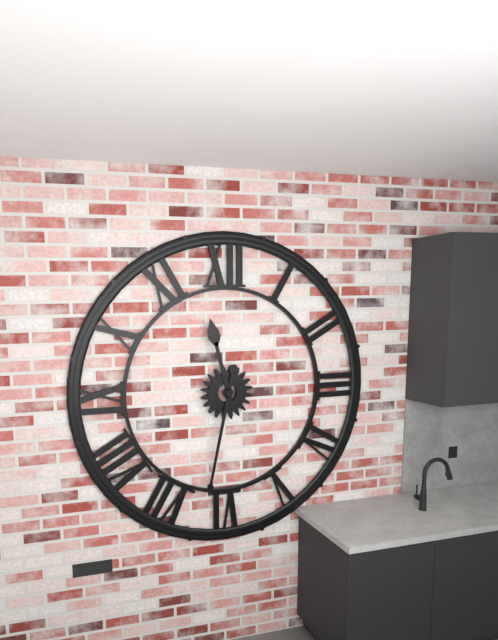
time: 11:32
